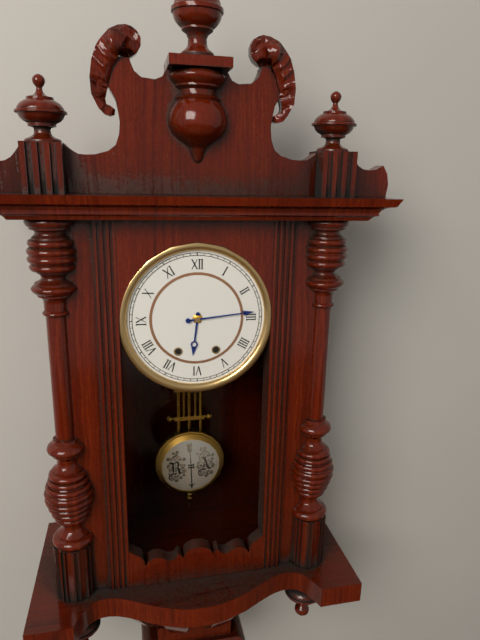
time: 6:14
